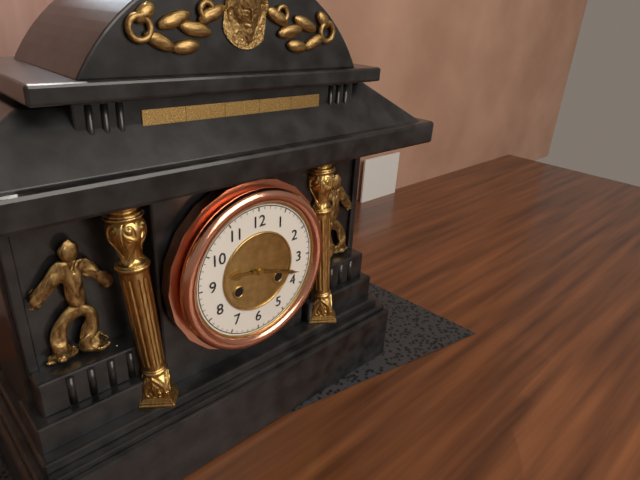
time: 9:18
